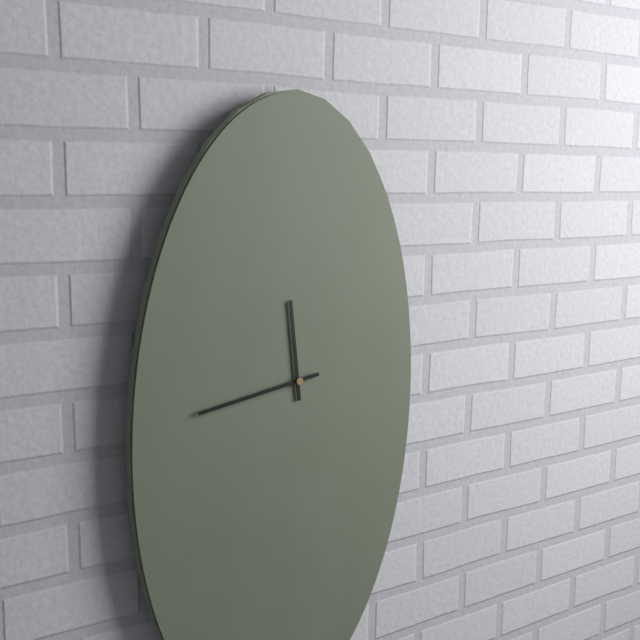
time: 11:43
